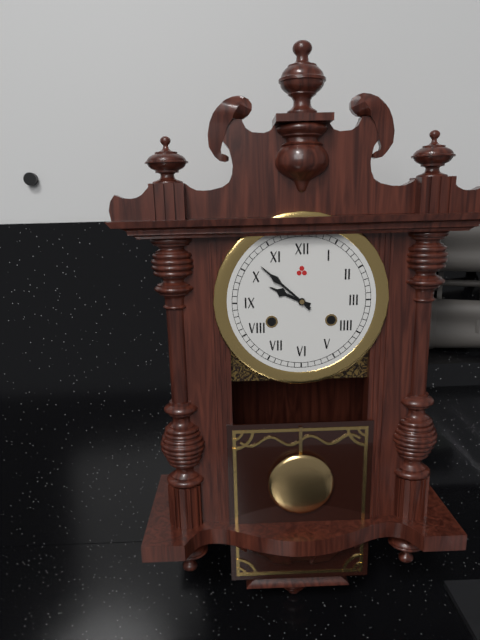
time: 9:52
